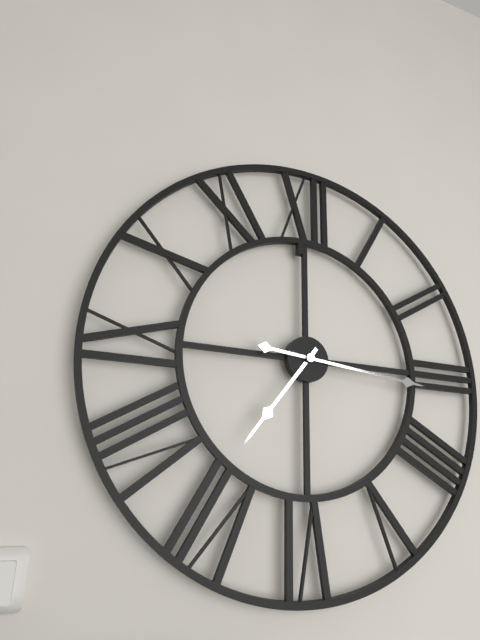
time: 7:16
